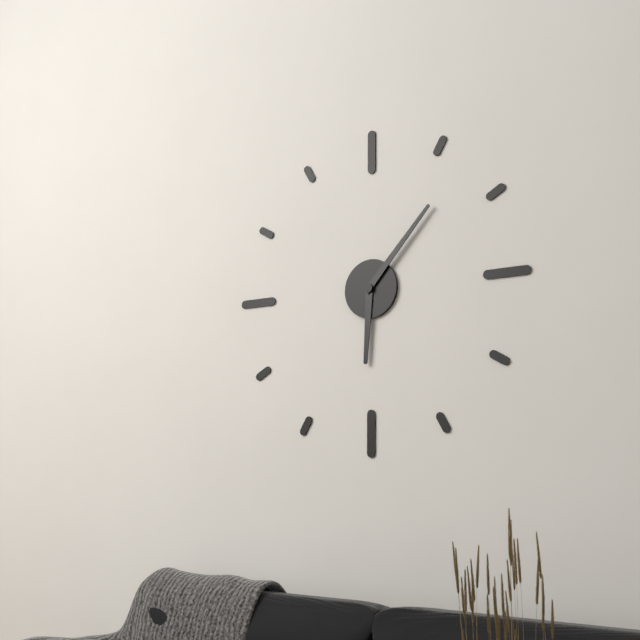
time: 6:07
